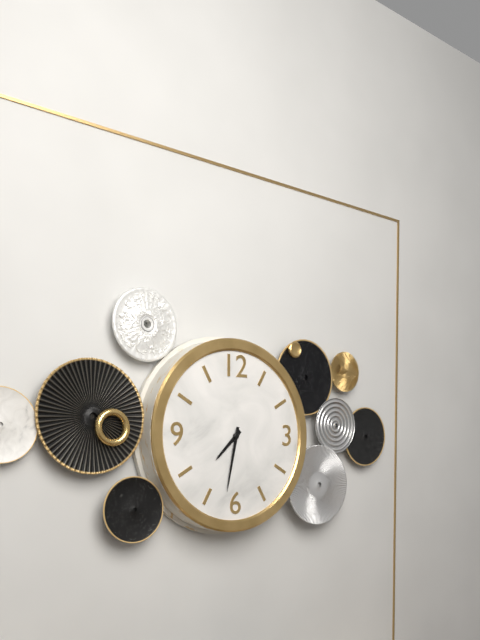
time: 7:32
